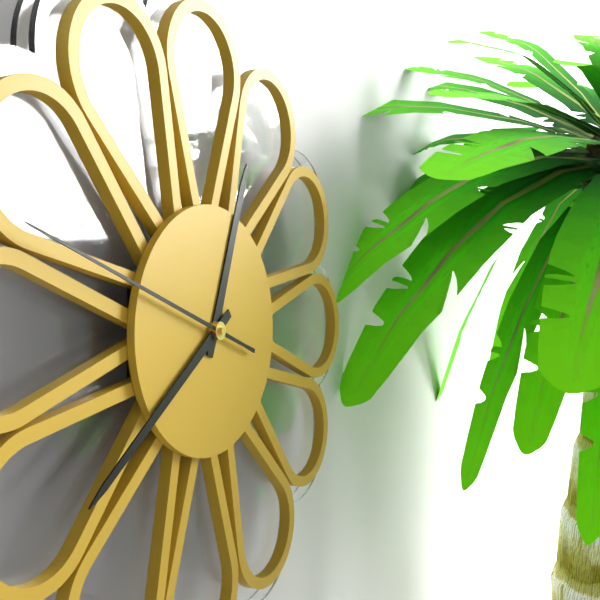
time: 12:39:48
